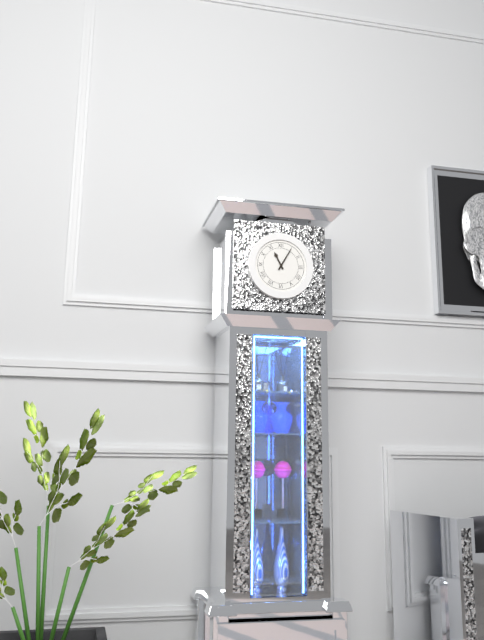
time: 11:05
